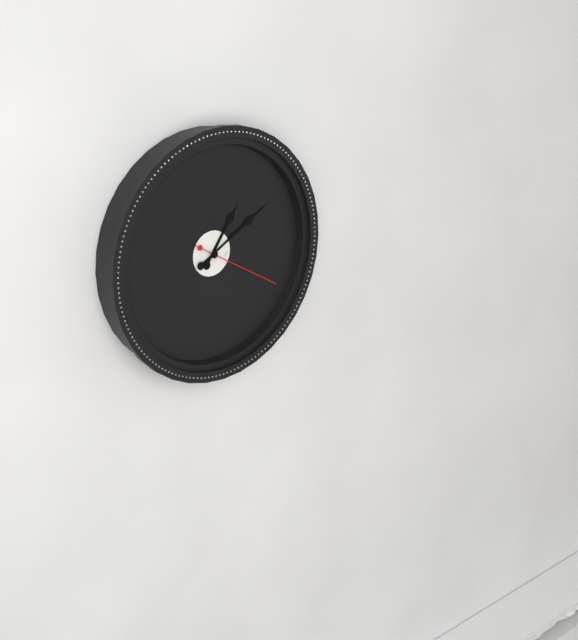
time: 1:10:20
